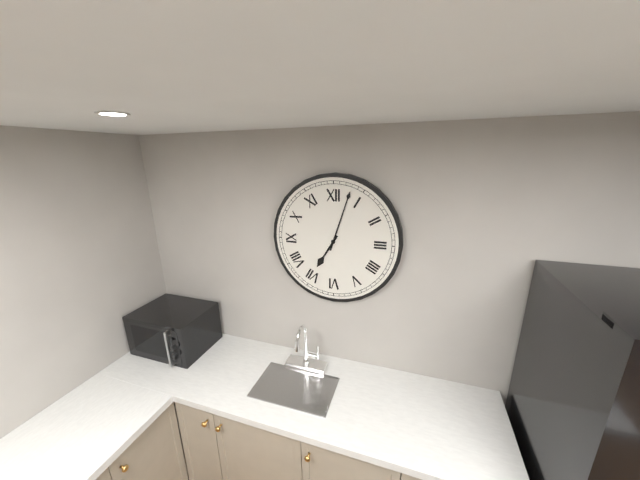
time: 7:03
